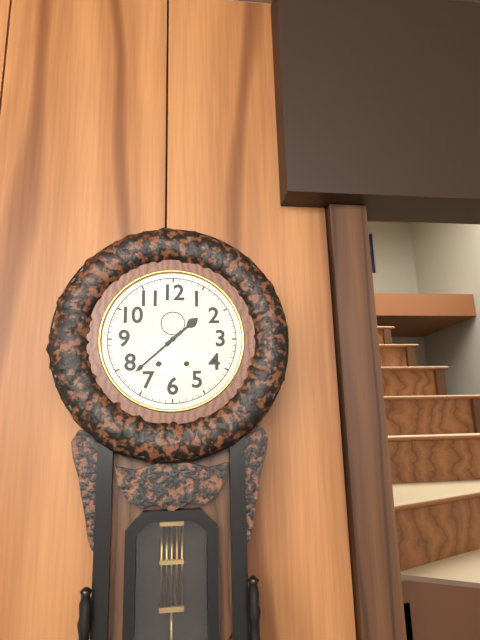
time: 1:38
